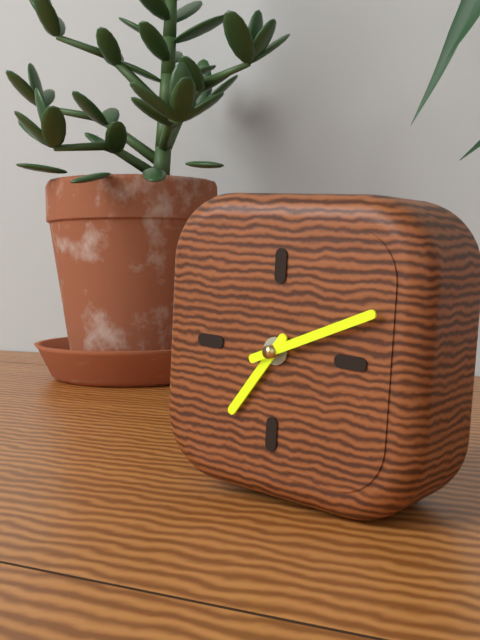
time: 7:11
